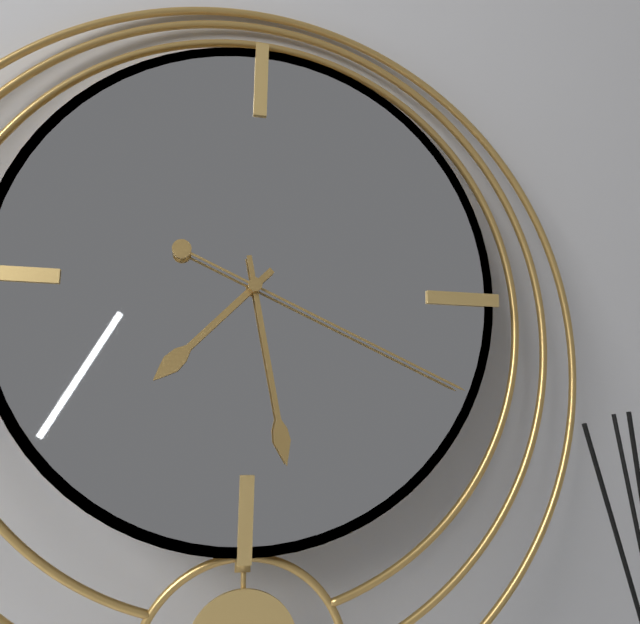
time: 7:28:19
